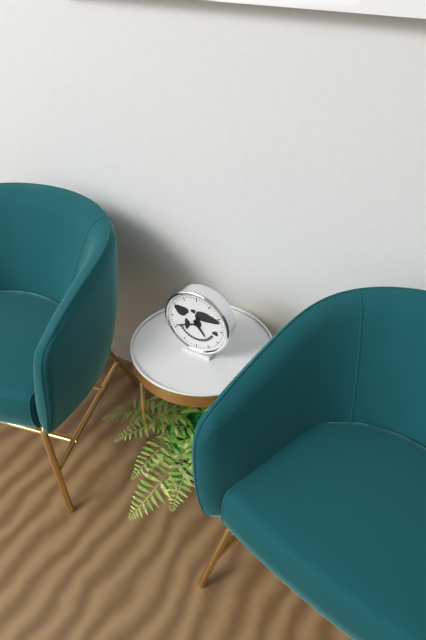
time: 4:41
